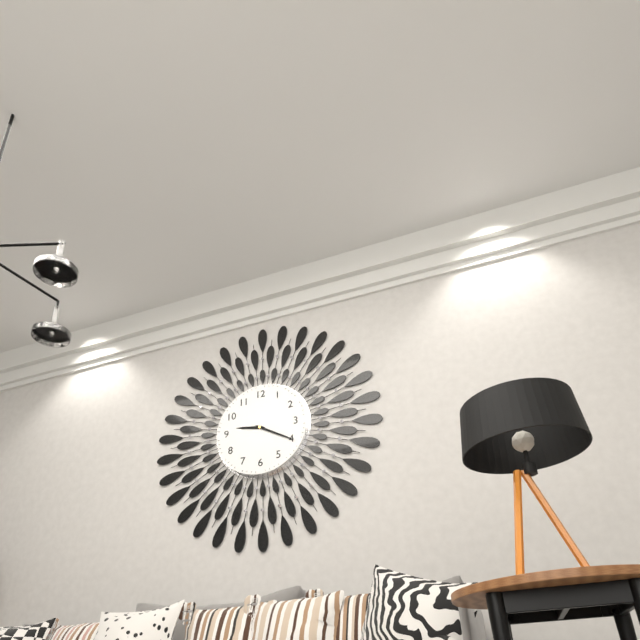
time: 9:20
